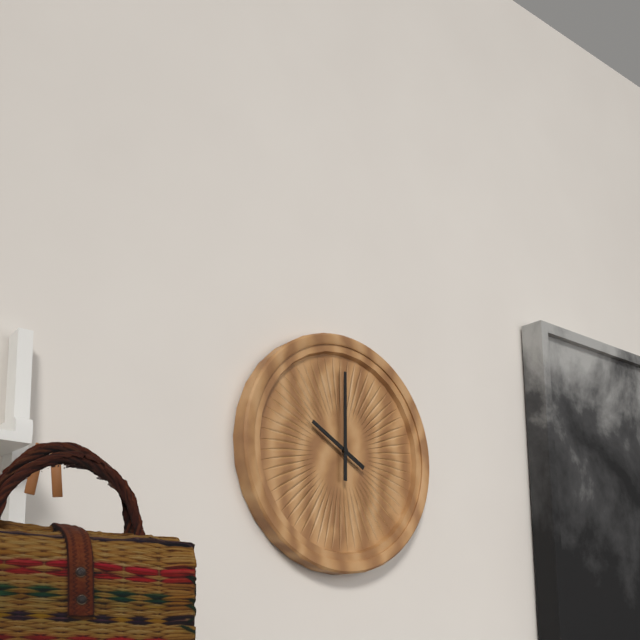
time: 10:00
